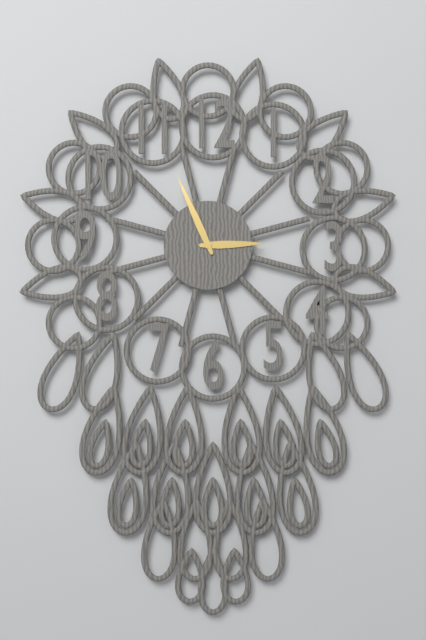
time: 2:56
